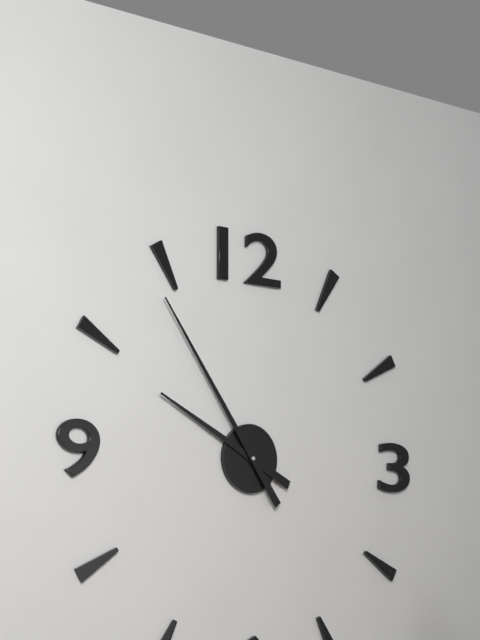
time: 9:54
